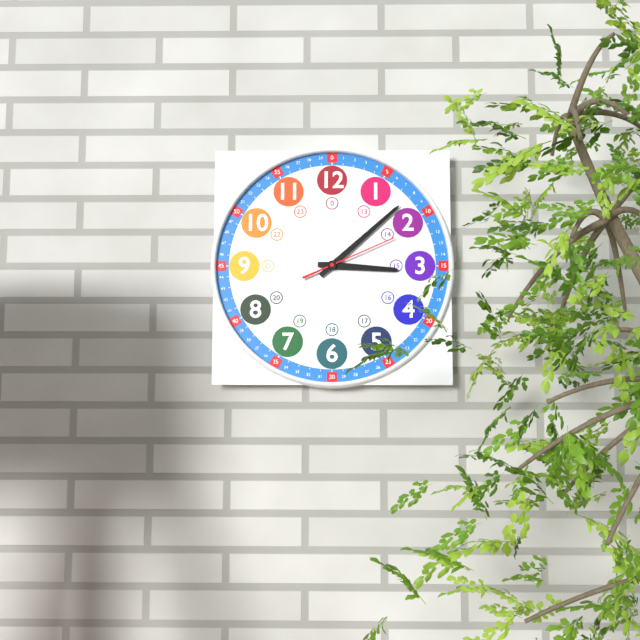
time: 3:08:11
